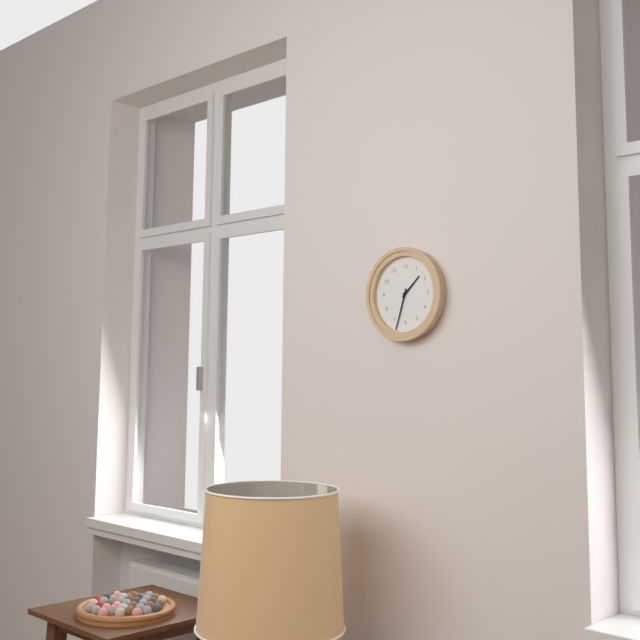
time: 1:33
